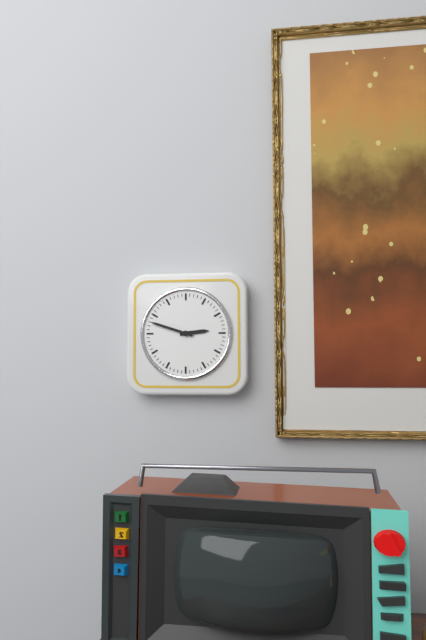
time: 2:48
